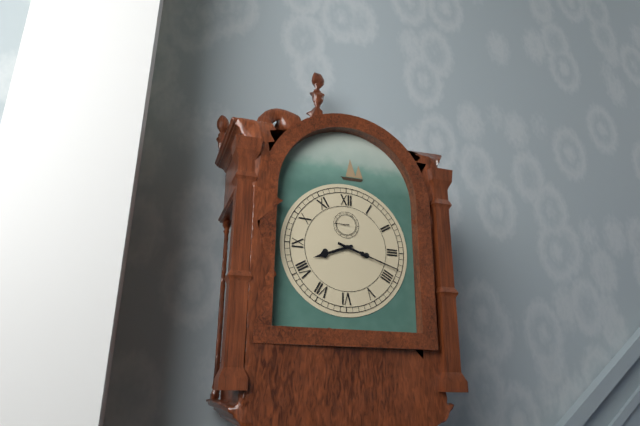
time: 8:18
